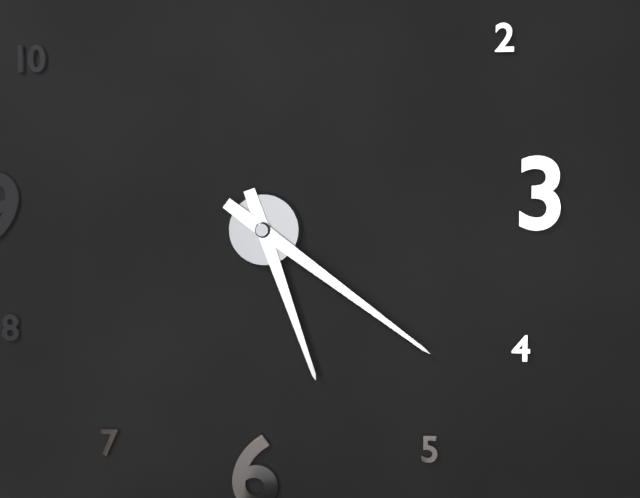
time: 5:21
